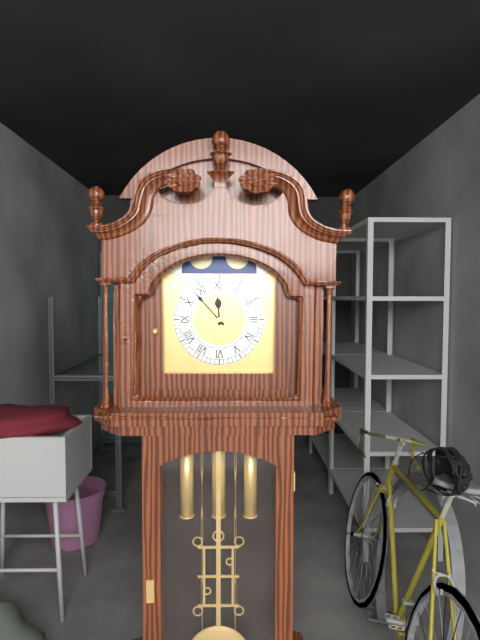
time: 11:53
